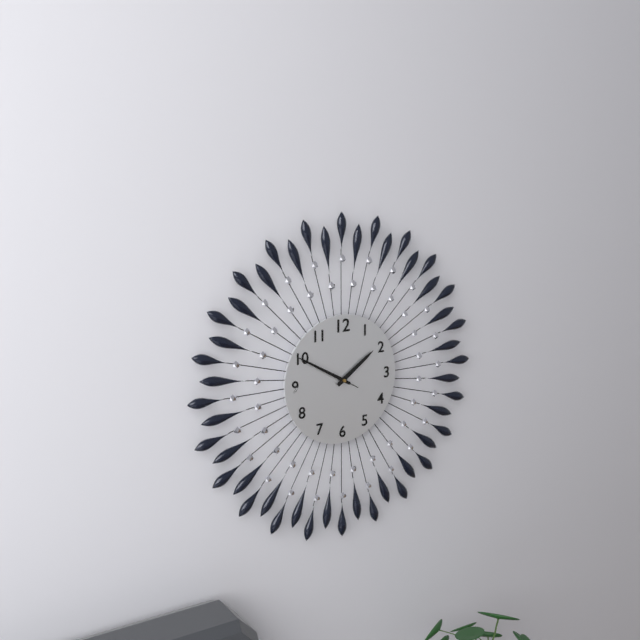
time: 1:50:50
